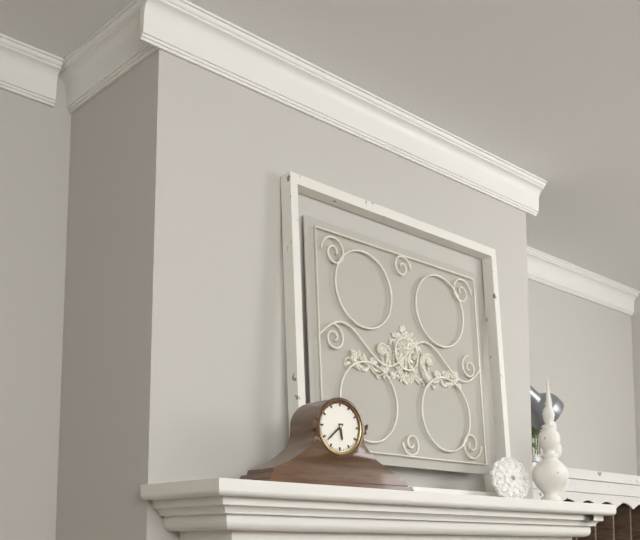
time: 5:38
